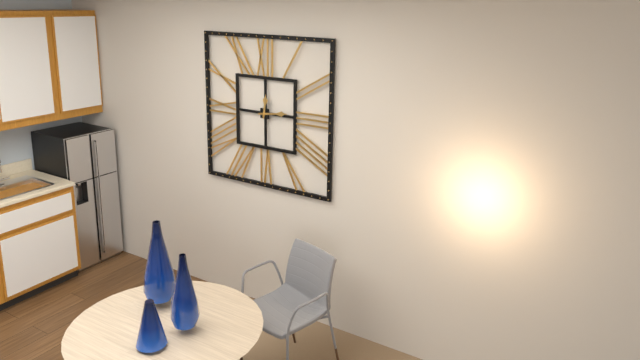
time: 12:14
